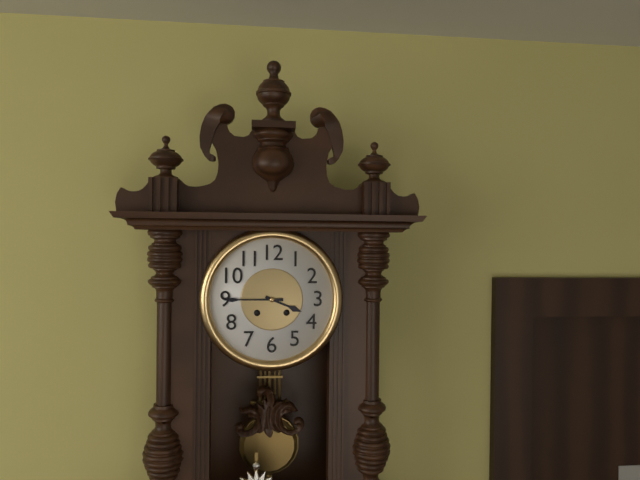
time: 3:45
